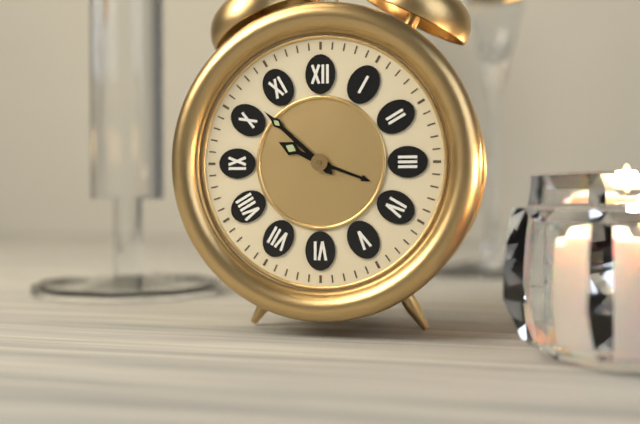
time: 9:52
